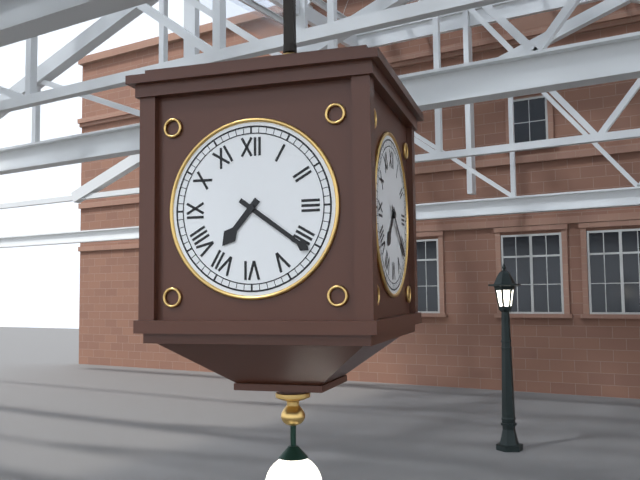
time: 7:21
